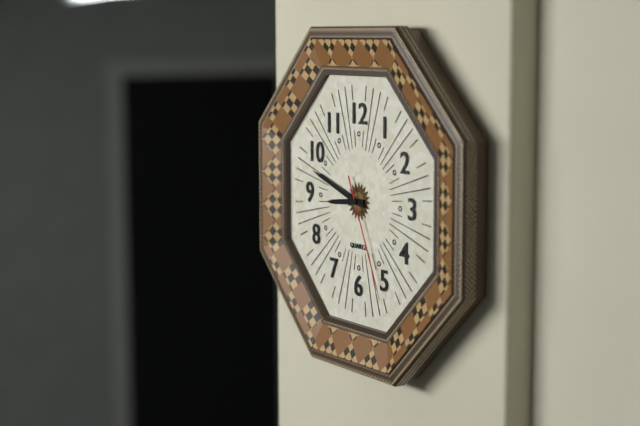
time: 8:48:26
